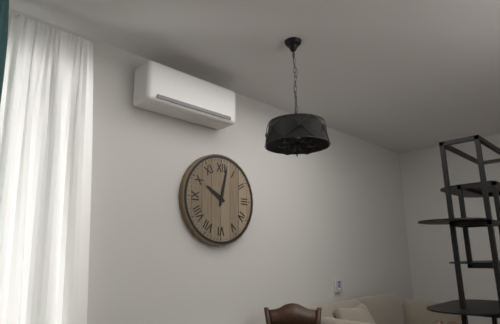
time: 10:02
